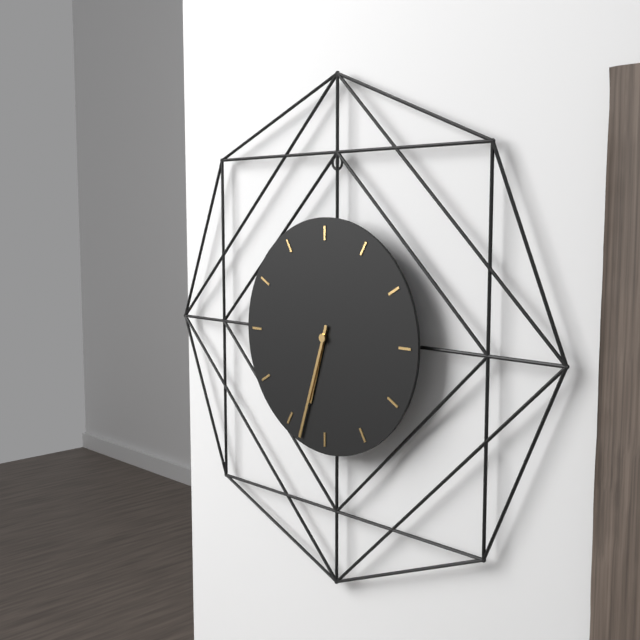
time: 6:33
